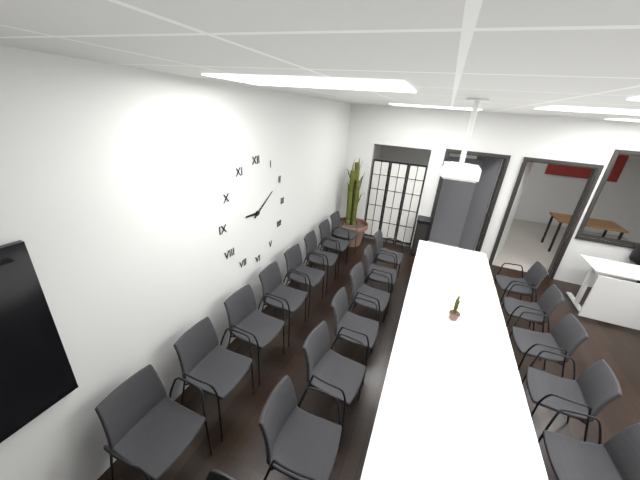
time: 9:10
